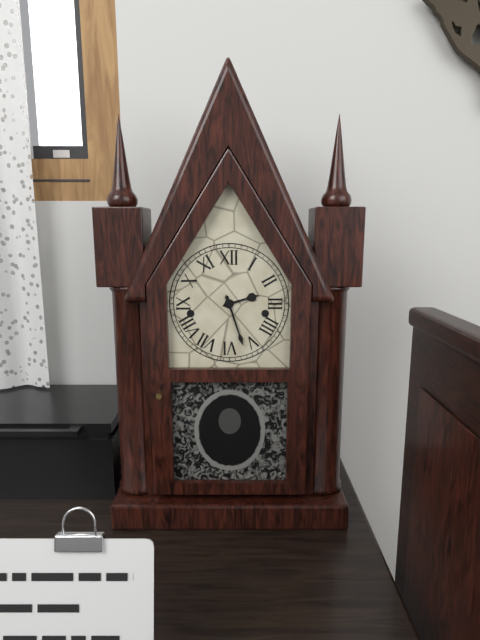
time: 2:27
